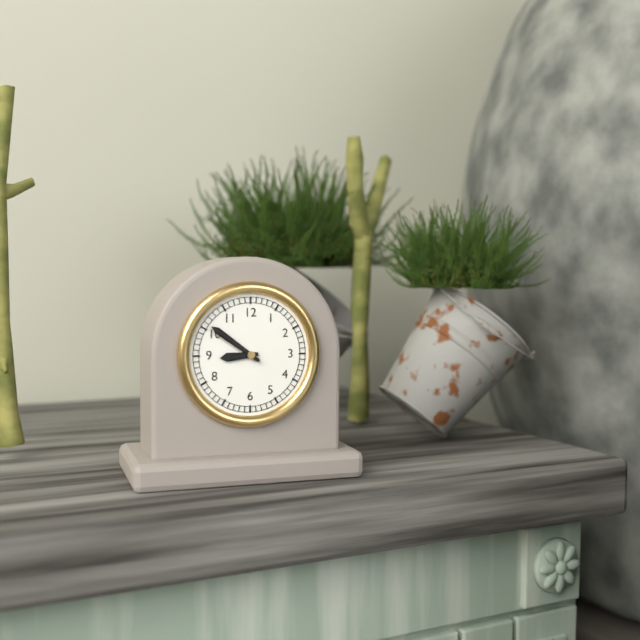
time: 8:51
